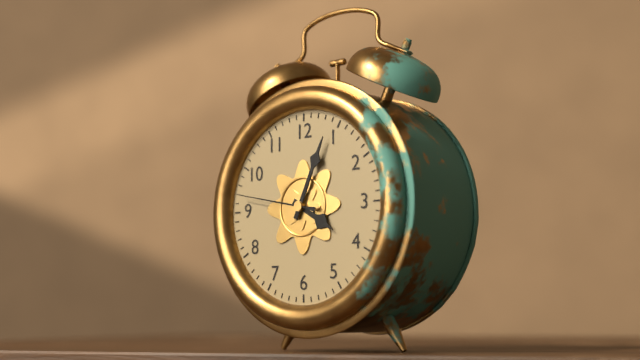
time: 4:04:47
